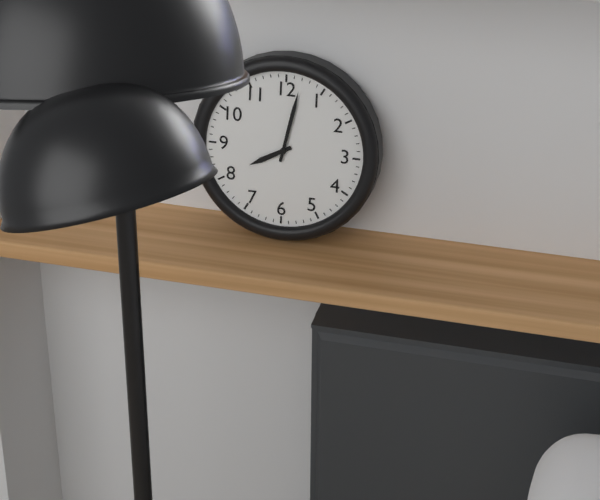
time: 8:02
